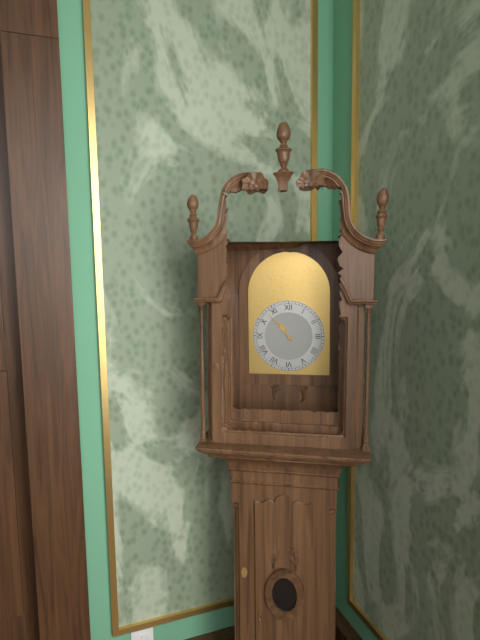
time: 10:53
